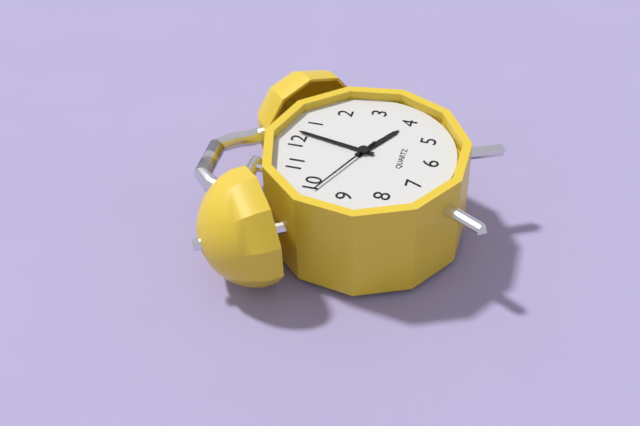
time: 4:02:49
